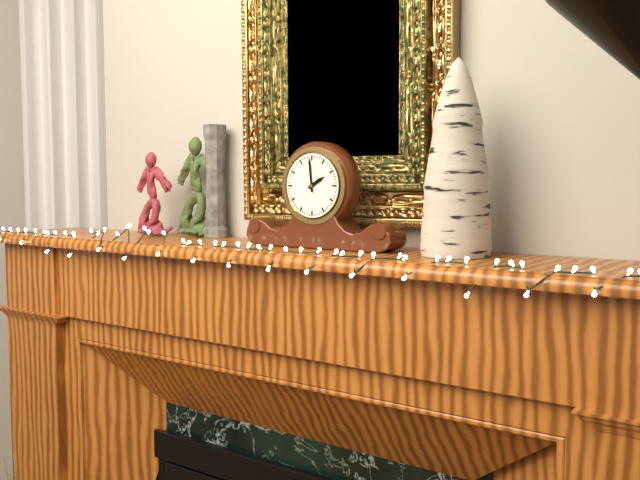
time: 1:59
